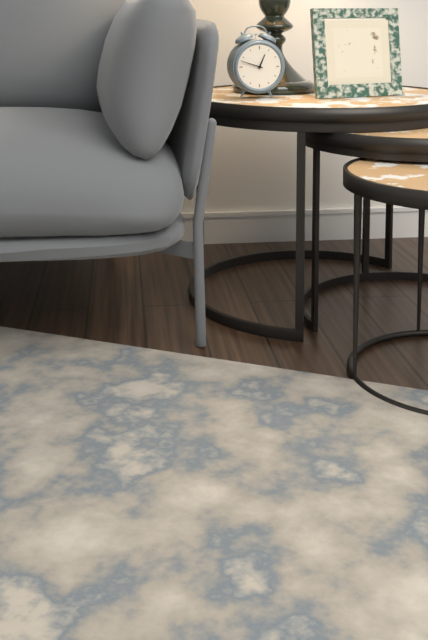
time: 12:48
